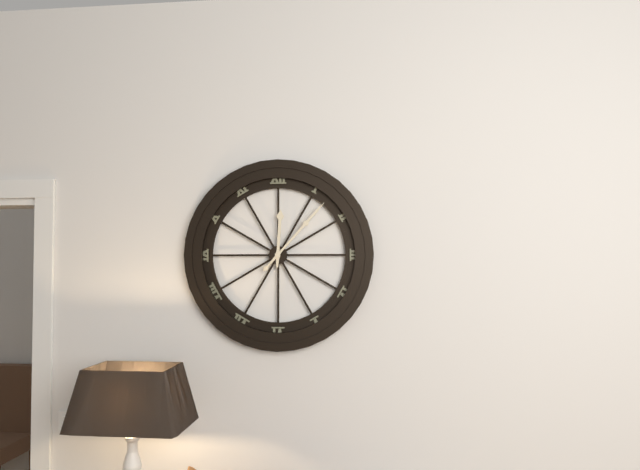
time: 12:07
